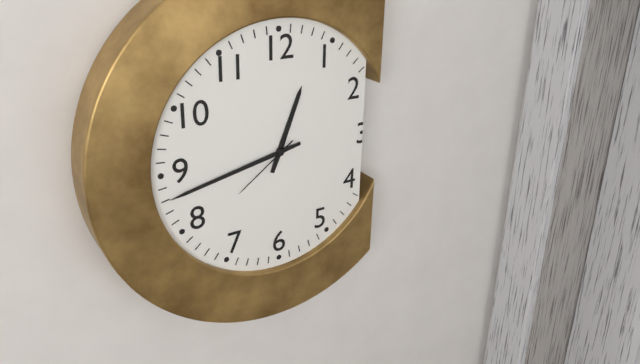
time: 12:43:39
